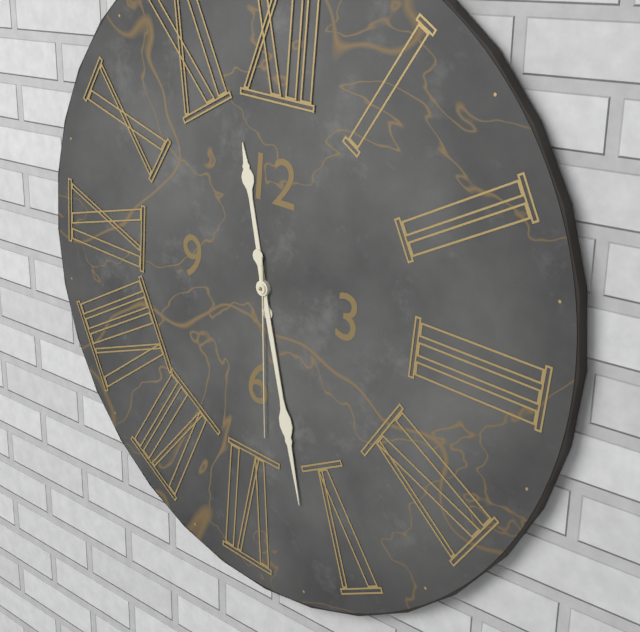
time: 11:27:29
